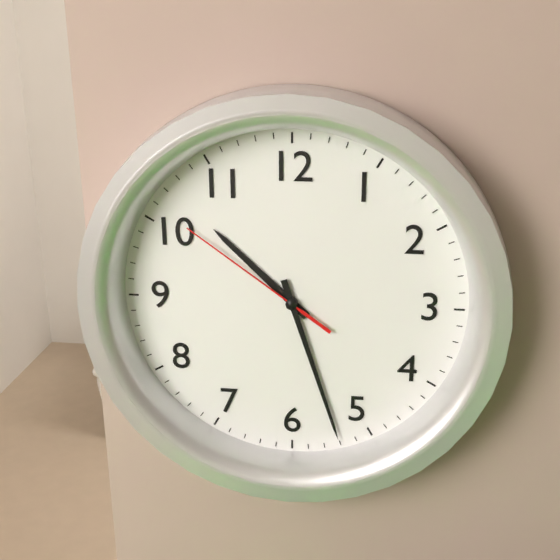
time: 10:27:51
